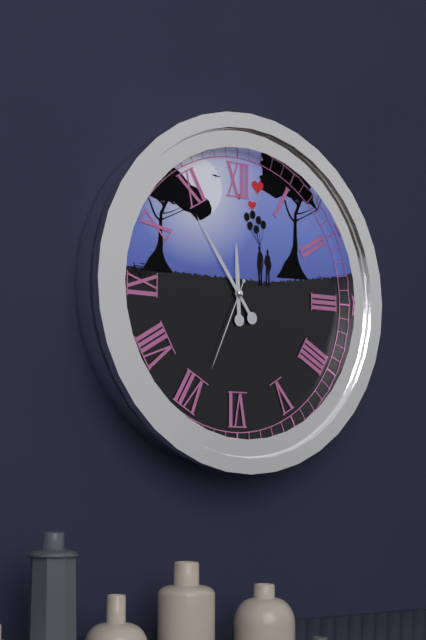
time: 11:54:34
